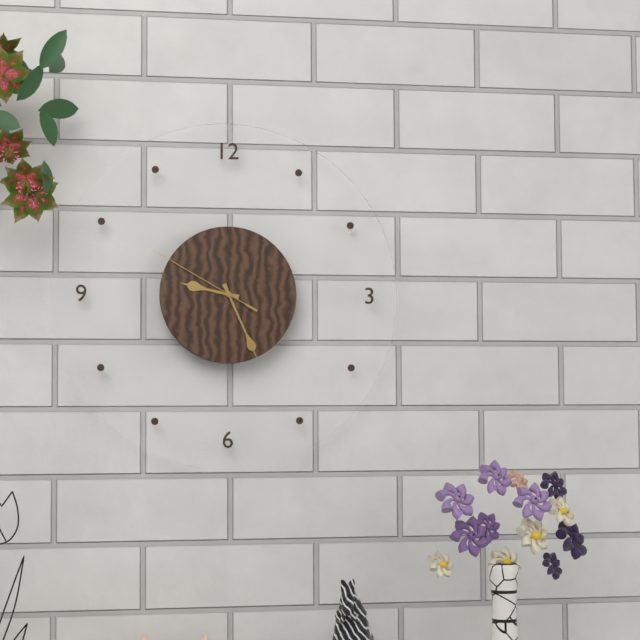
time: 9:26:50
